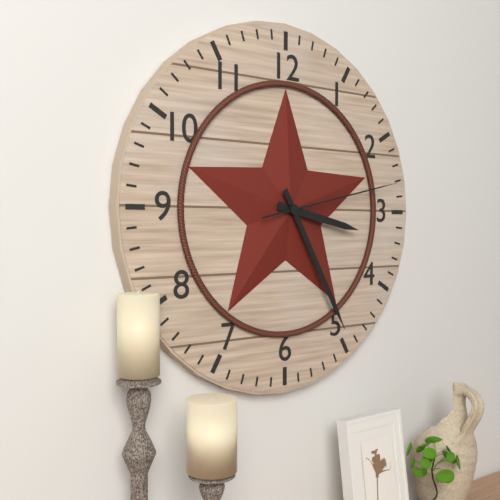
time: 3:25:13
